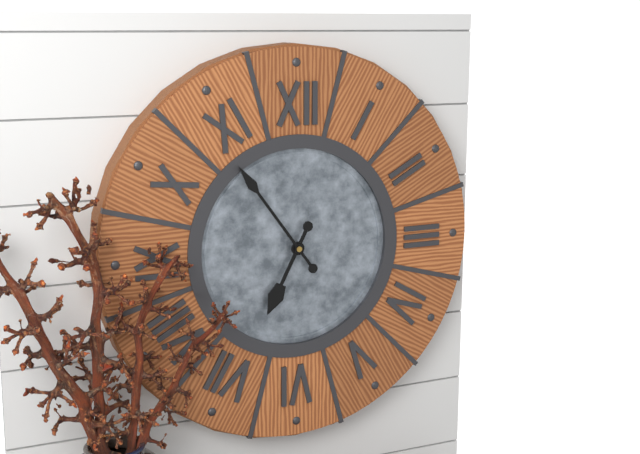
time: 6:54
